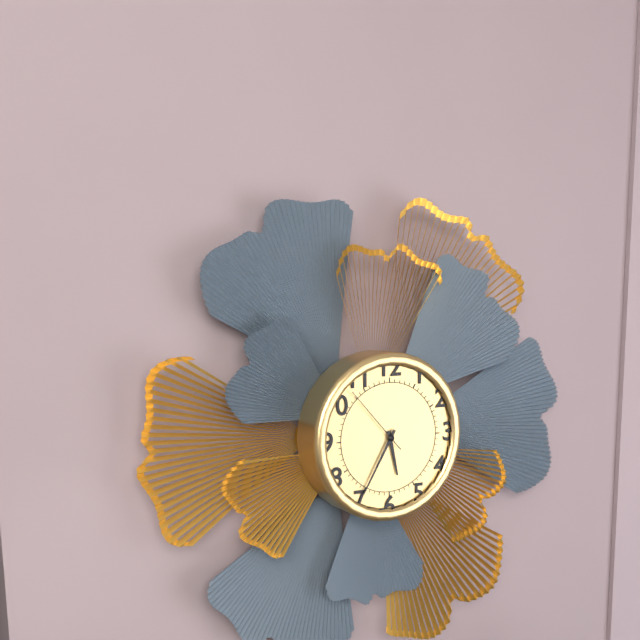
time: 5:35:53
